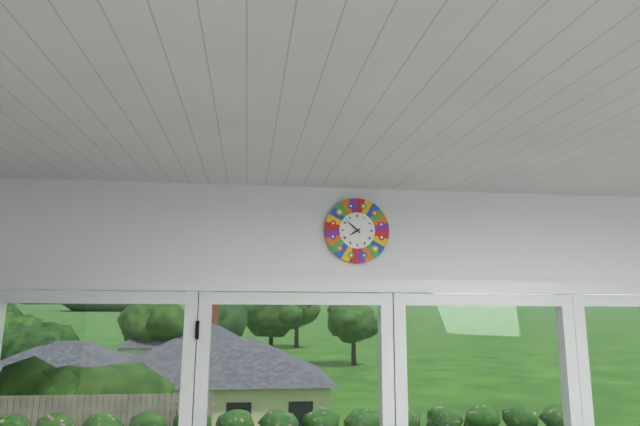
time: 7:52
